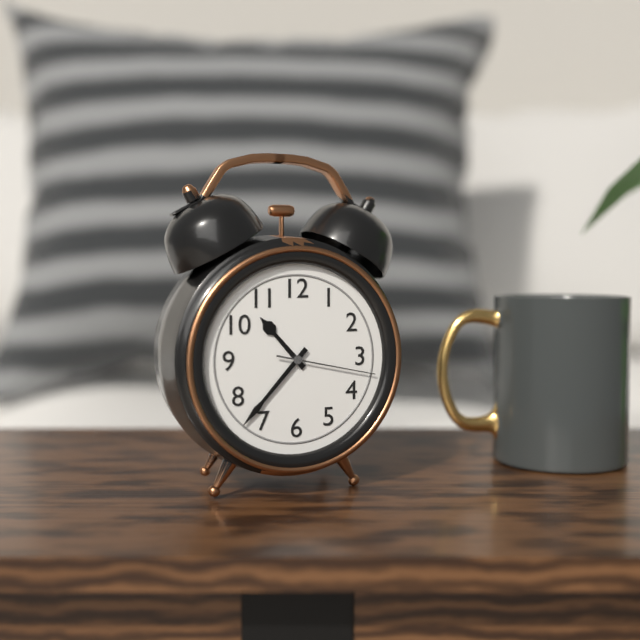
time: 10:37:17
